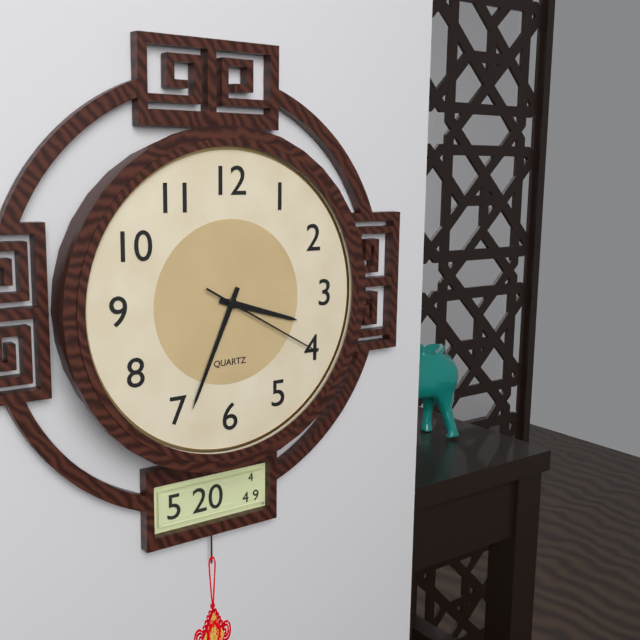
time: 3:34:20
